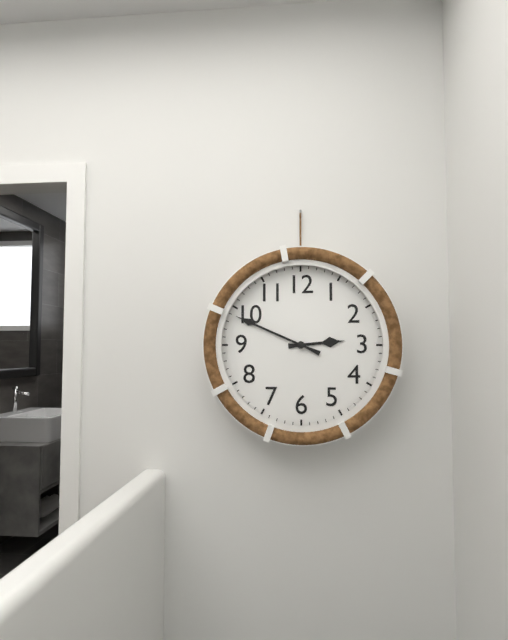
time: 2:49
